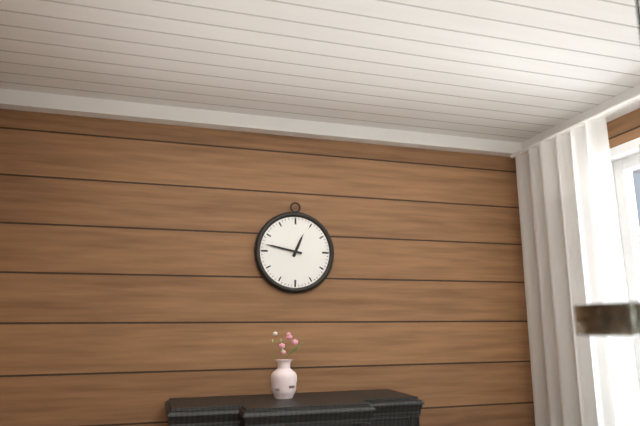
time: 12:47
